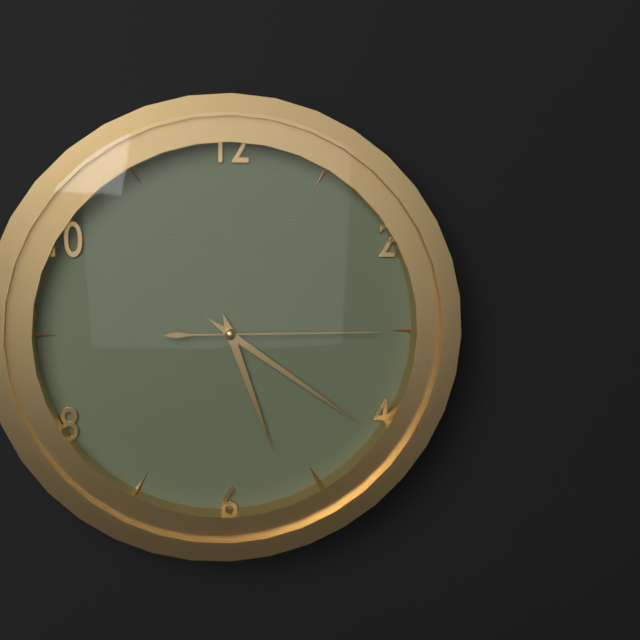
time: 5:21:15
